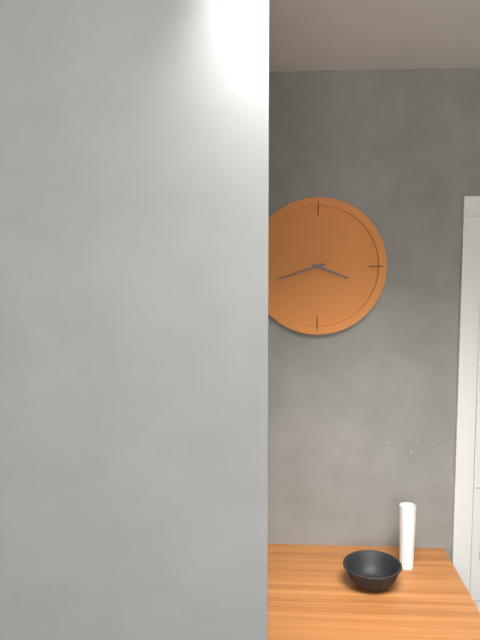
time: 3:42
